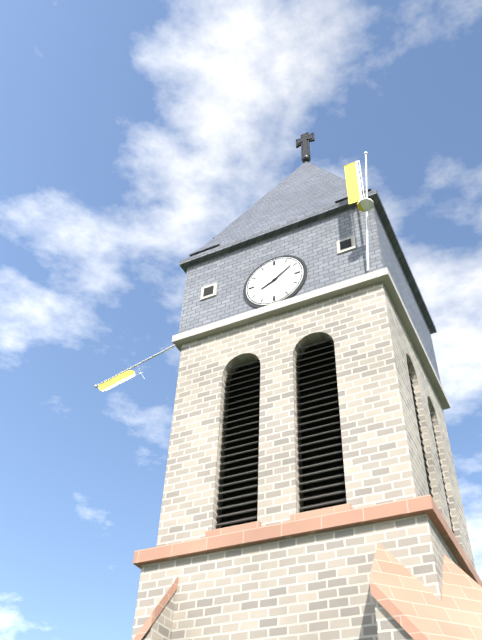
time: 8:09
